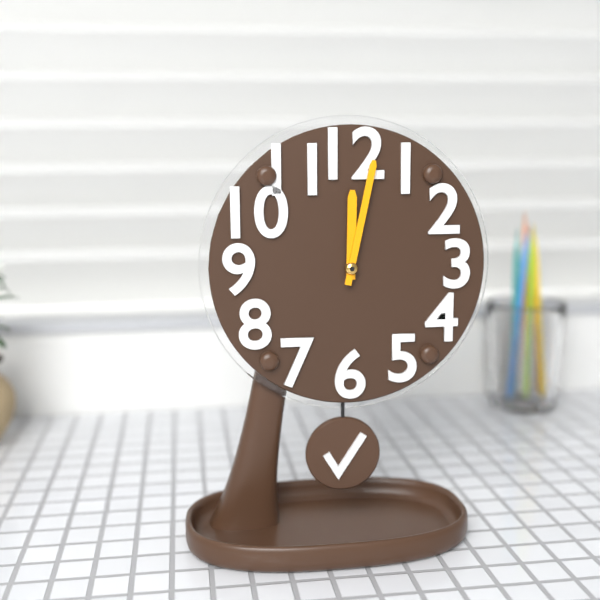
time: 12:02
